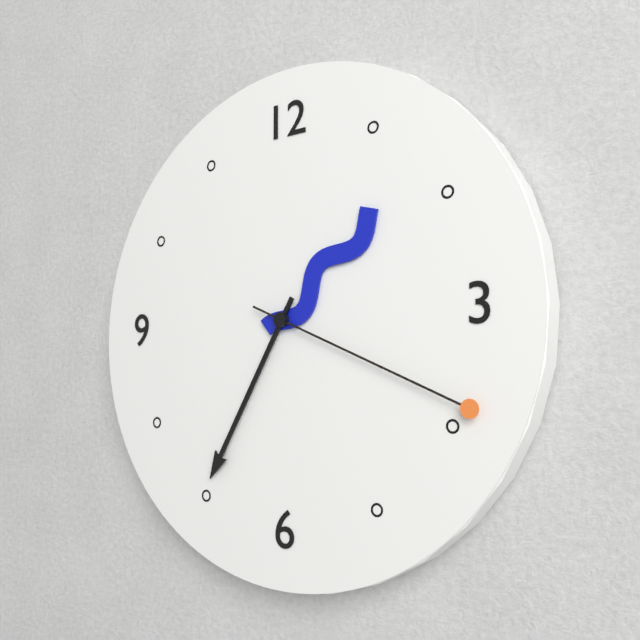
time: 1:35:19
